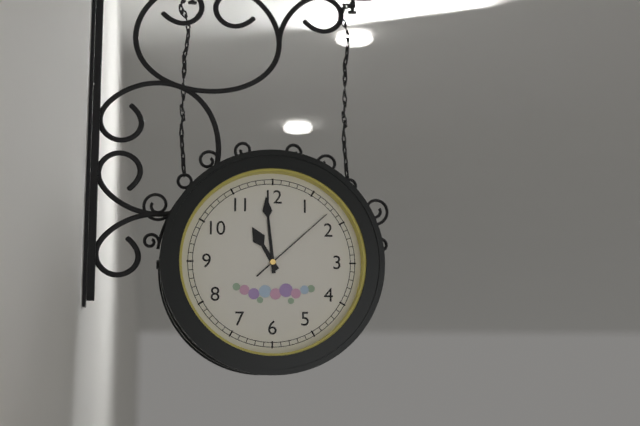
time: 10:59:08
